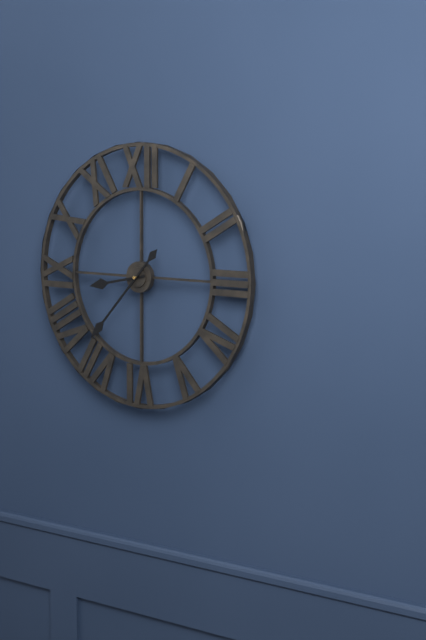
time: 8:37
